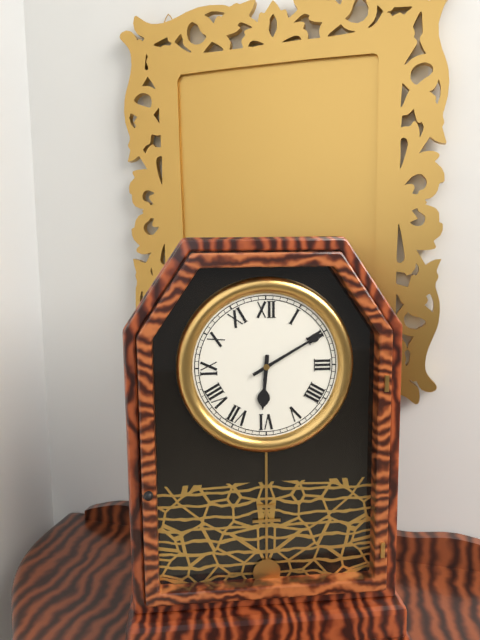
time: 6:10
